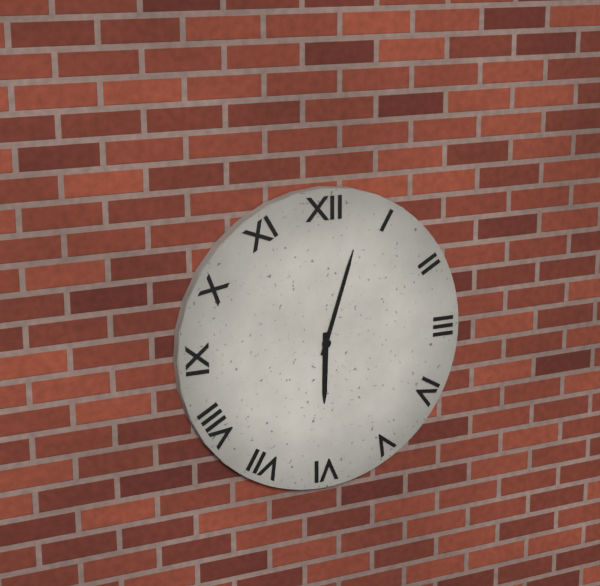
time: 6:03
